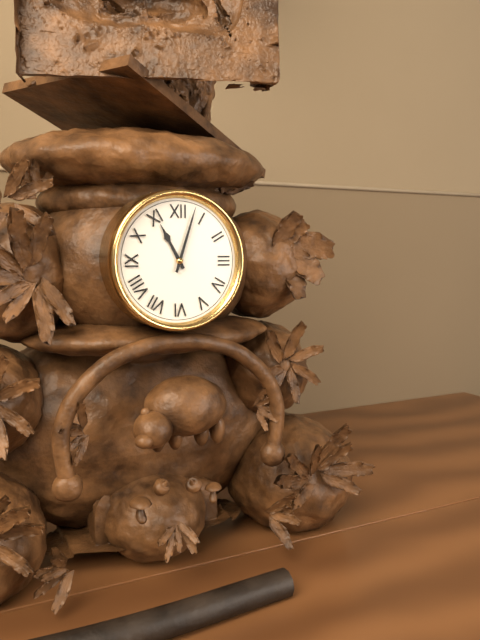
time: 11:03
